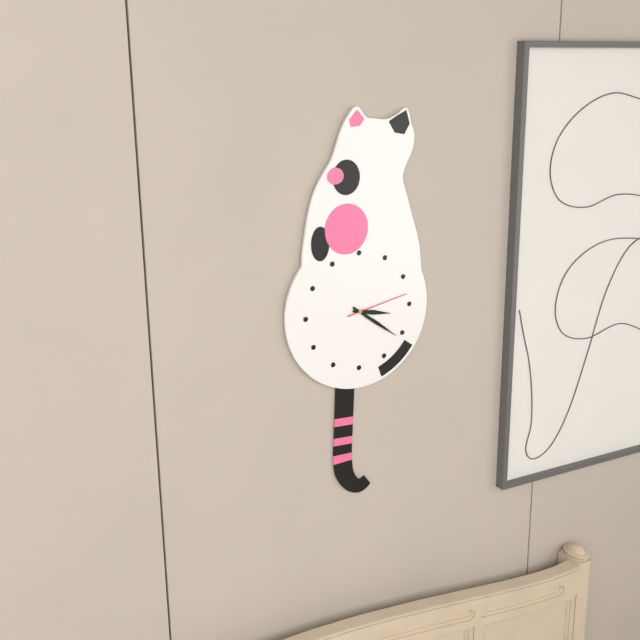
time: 3:21:13
